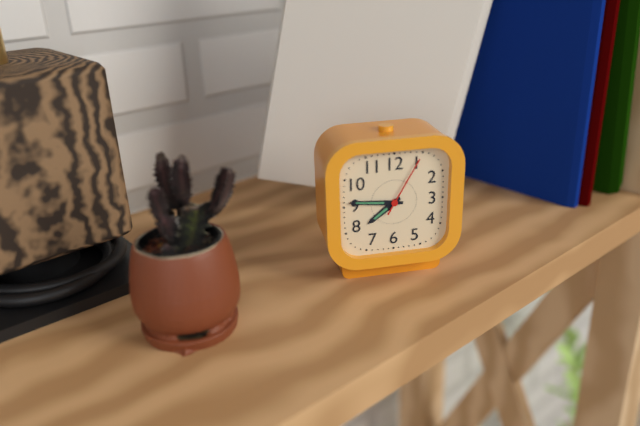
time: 7:46:05
